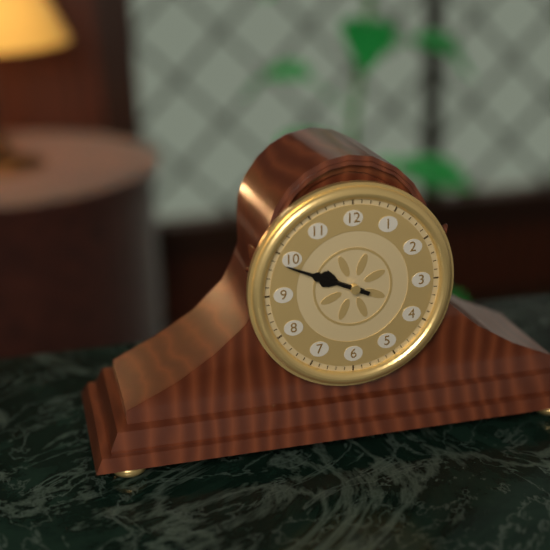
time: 9:49
